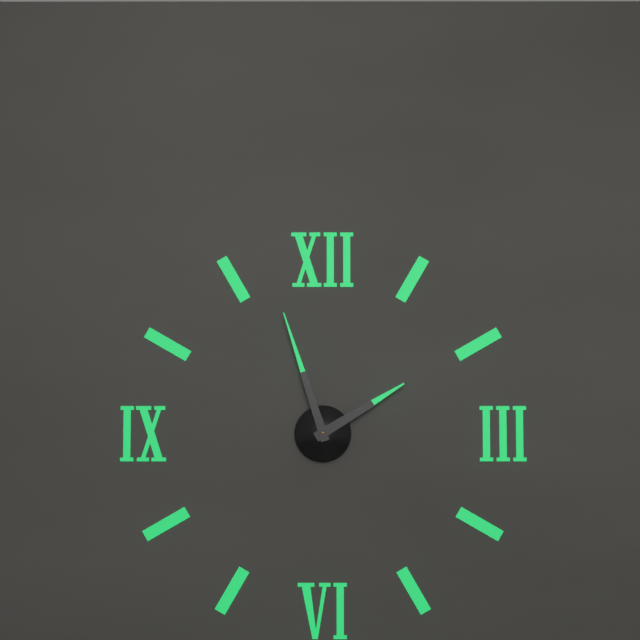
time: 1:57
